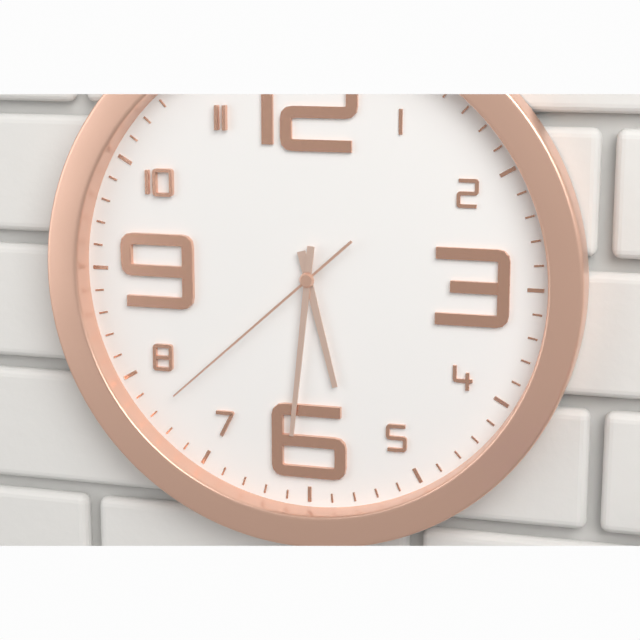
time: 5:31:38
